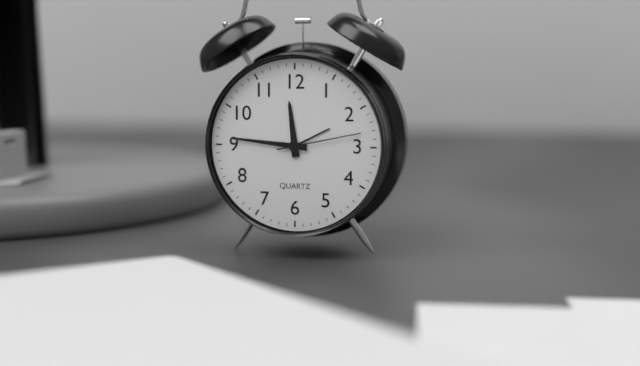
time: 11:46:13
